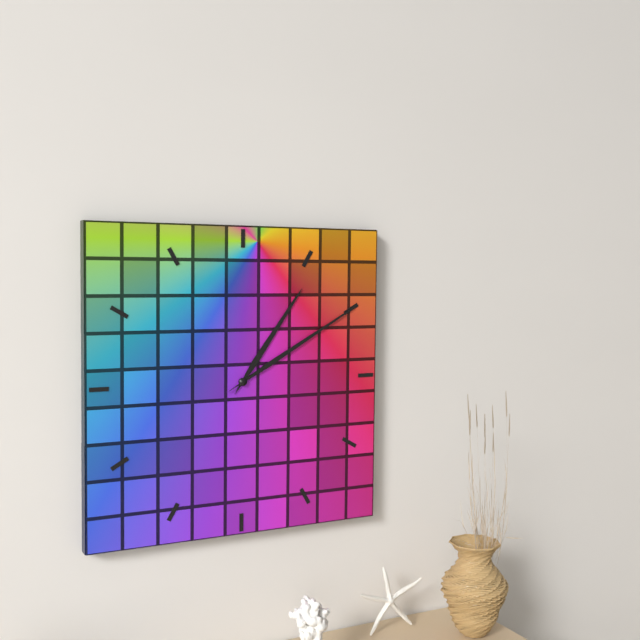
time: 1:10
